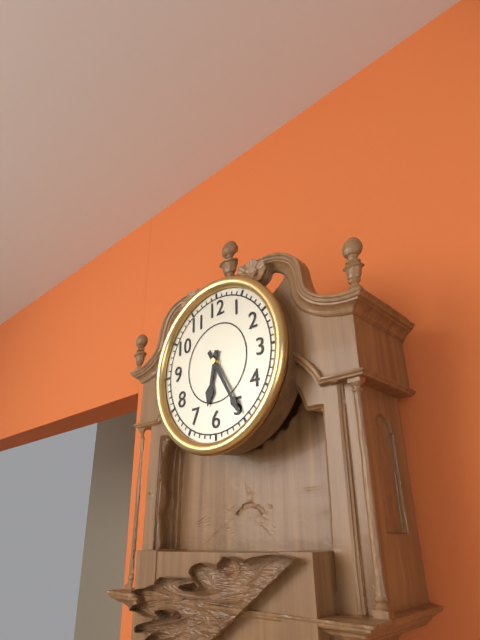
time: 6:25
